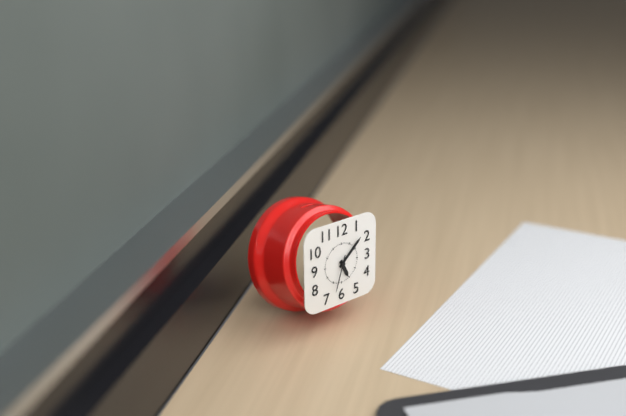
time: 5:08
